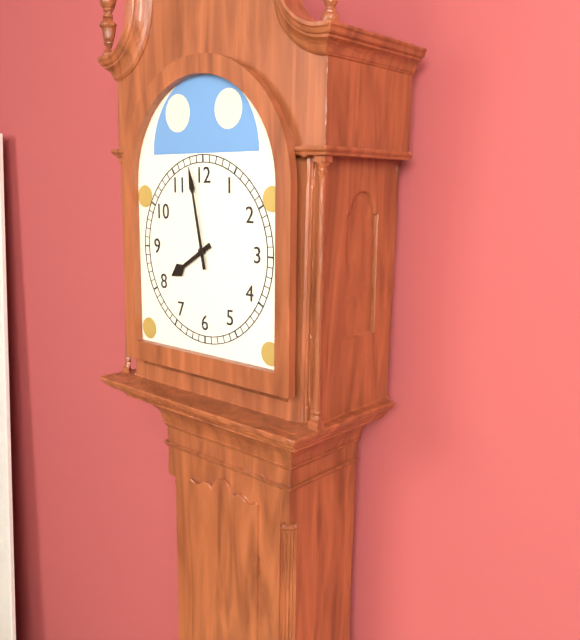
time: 7:58
